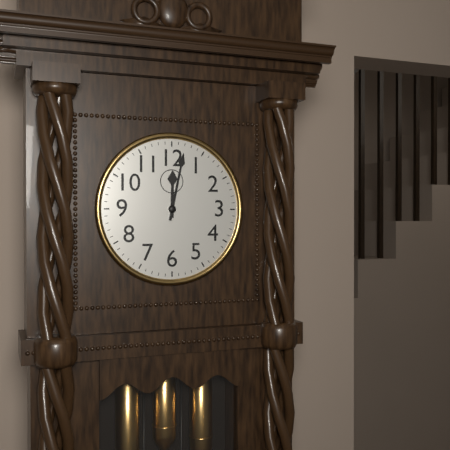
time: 12:02
